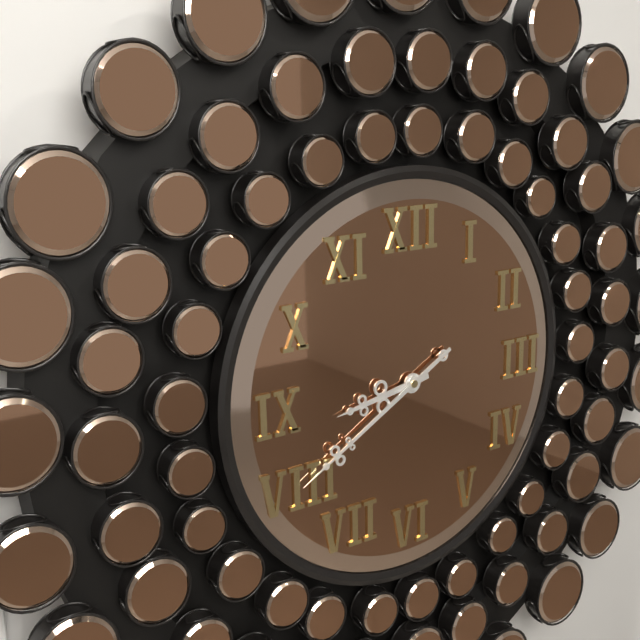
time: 8:40
